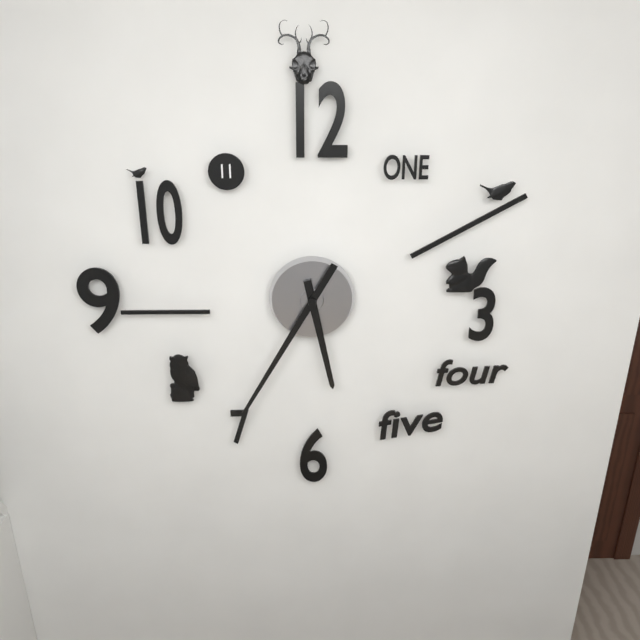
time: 5:35
